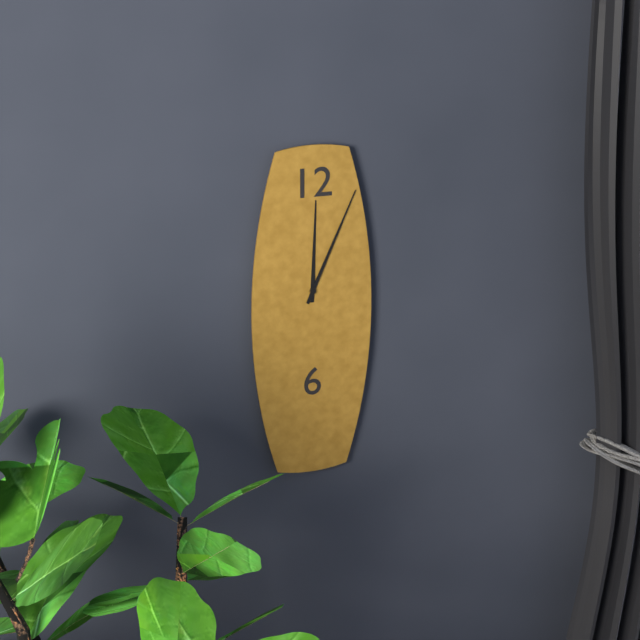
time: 12:04
